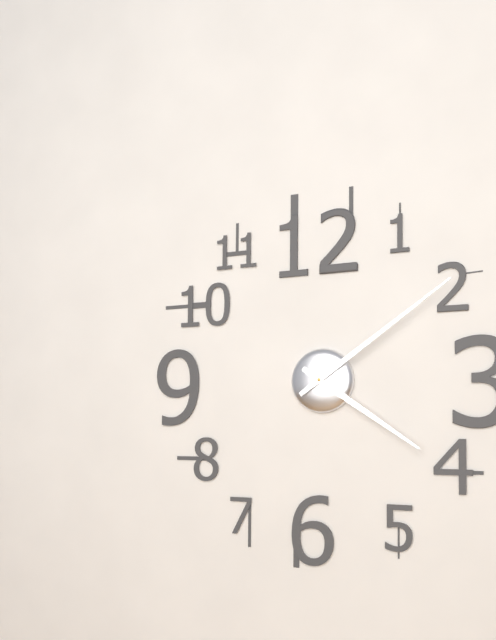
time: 4:09
